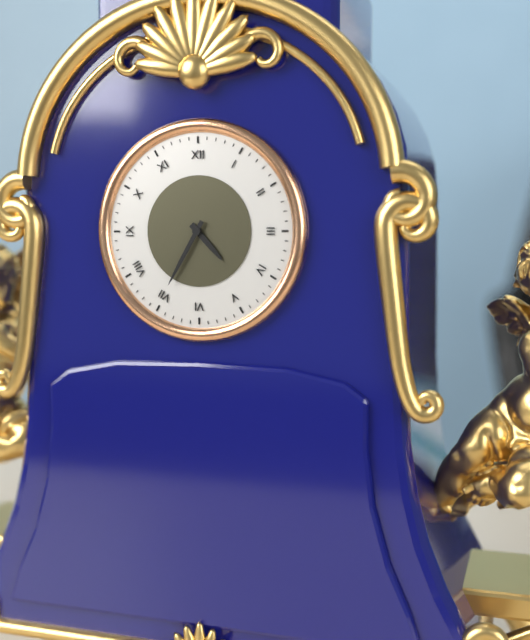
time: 4:35
